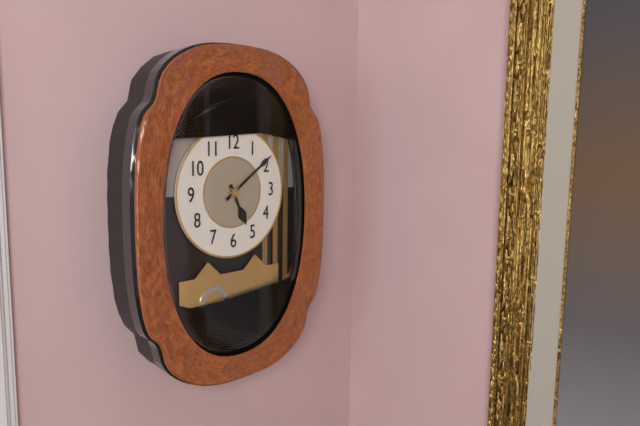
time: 5:09
